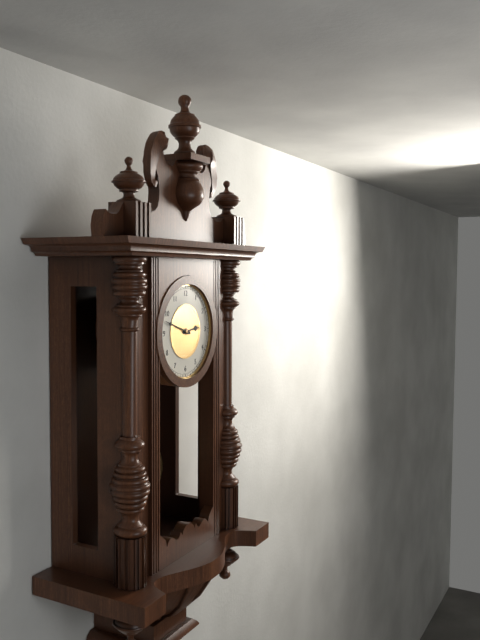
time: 2:48
